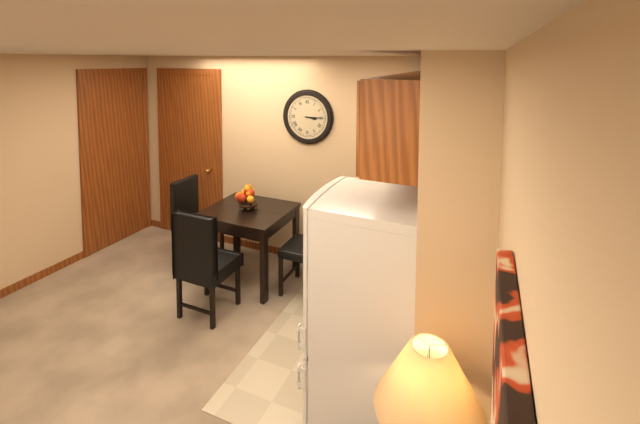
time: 3:15
